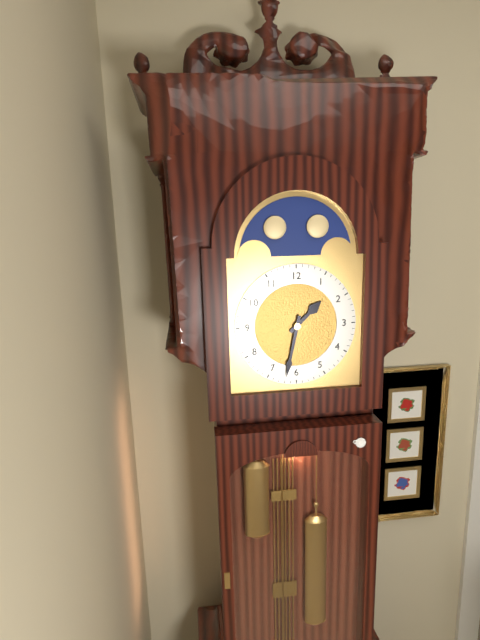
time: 1:32
